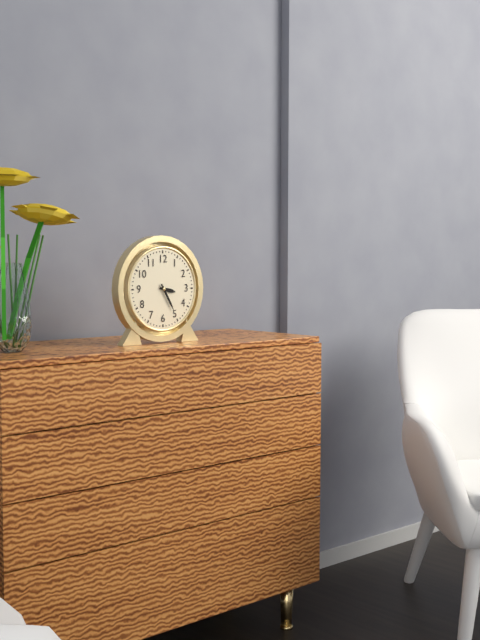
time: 3:25
